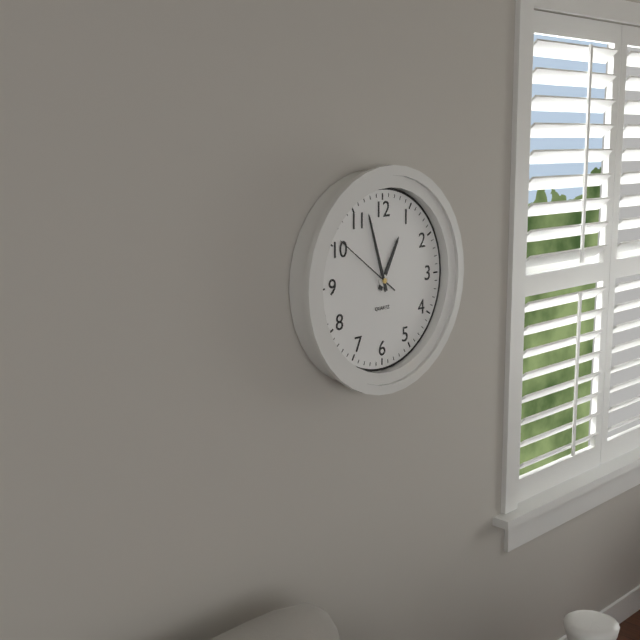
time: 12:57:51
